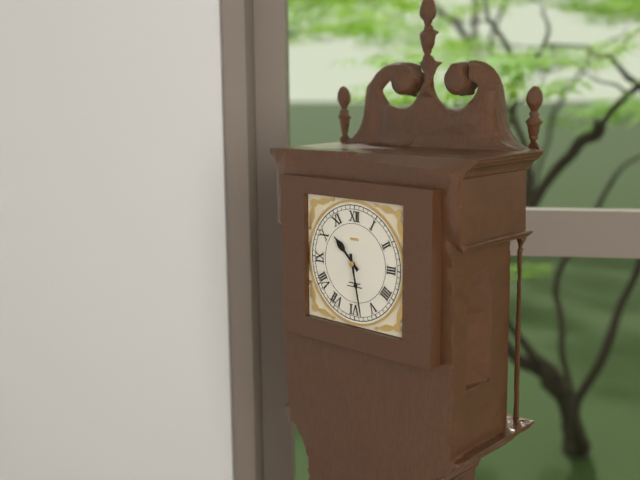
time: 10:28
